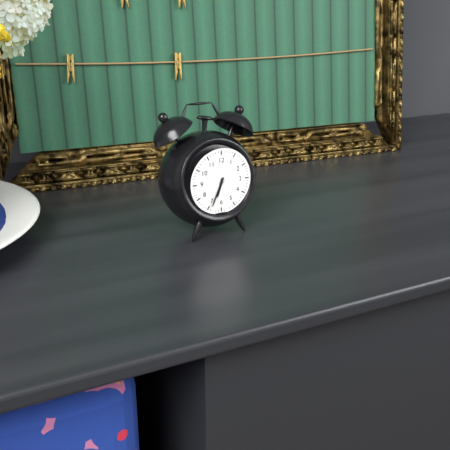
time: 6:34
